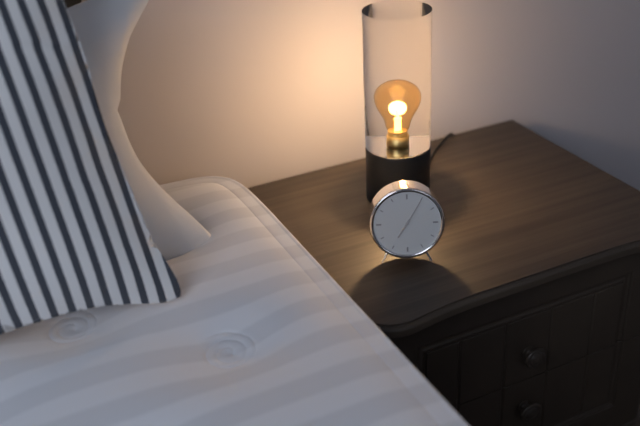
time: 7:05
